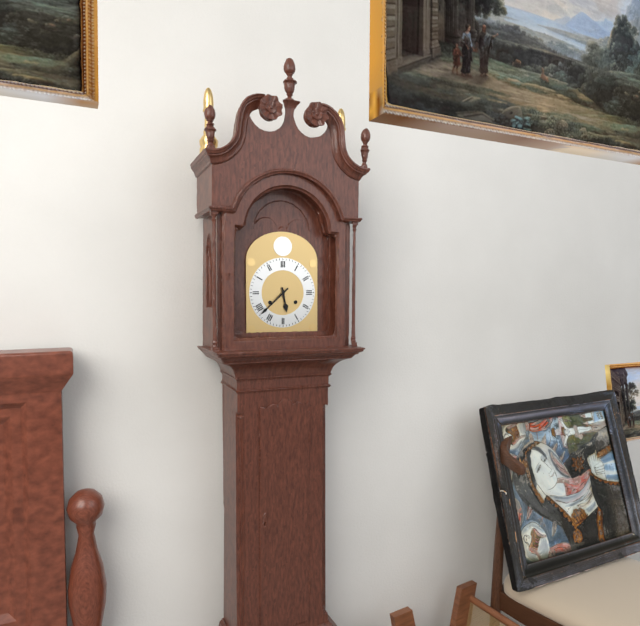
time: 5:38
